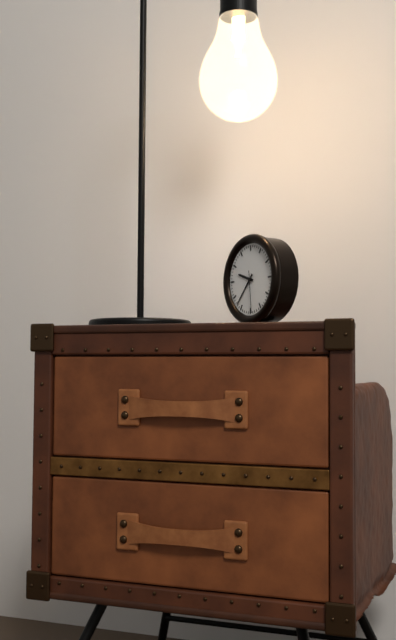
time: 9:37
